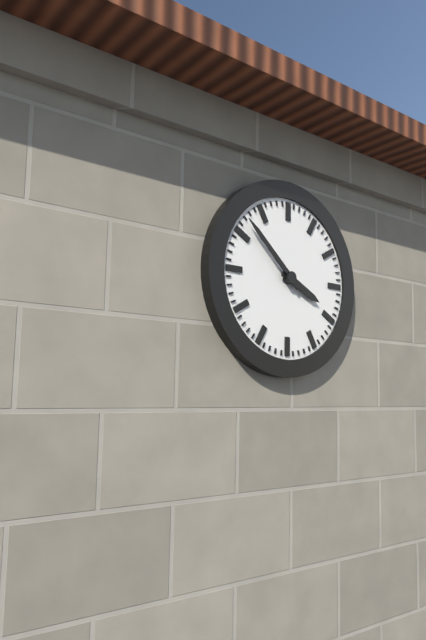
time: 3:52
